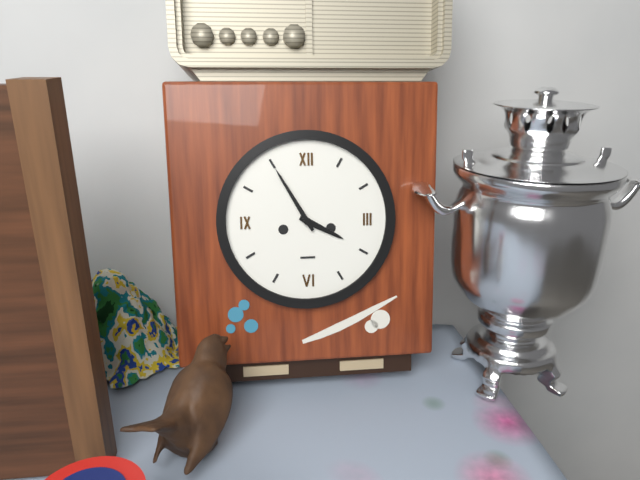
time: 3:55
